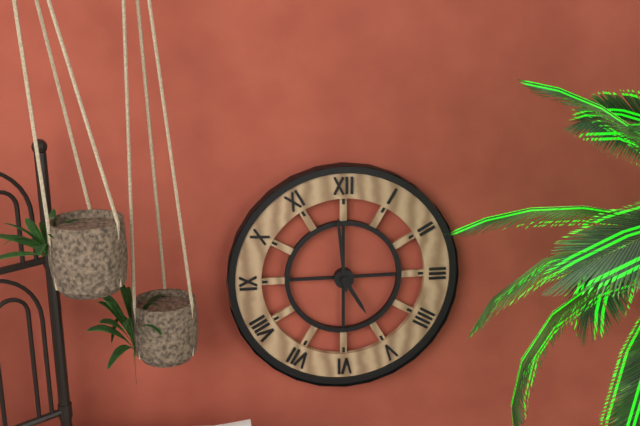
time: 4:59
